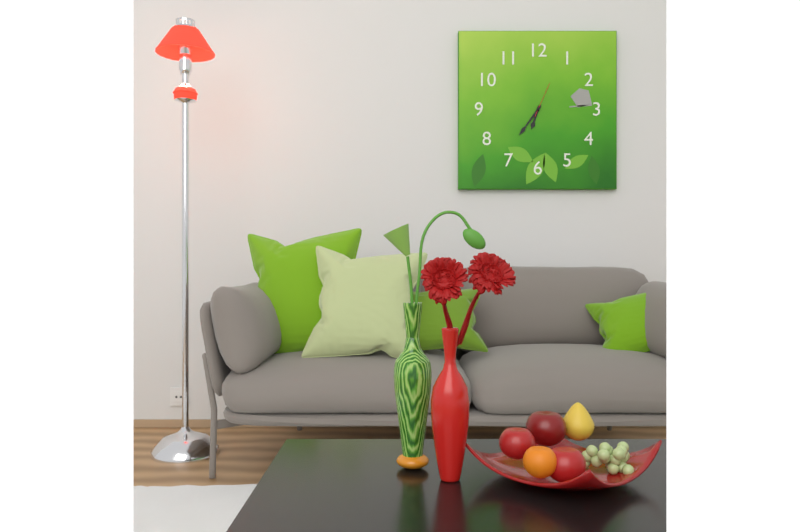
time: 6:36
